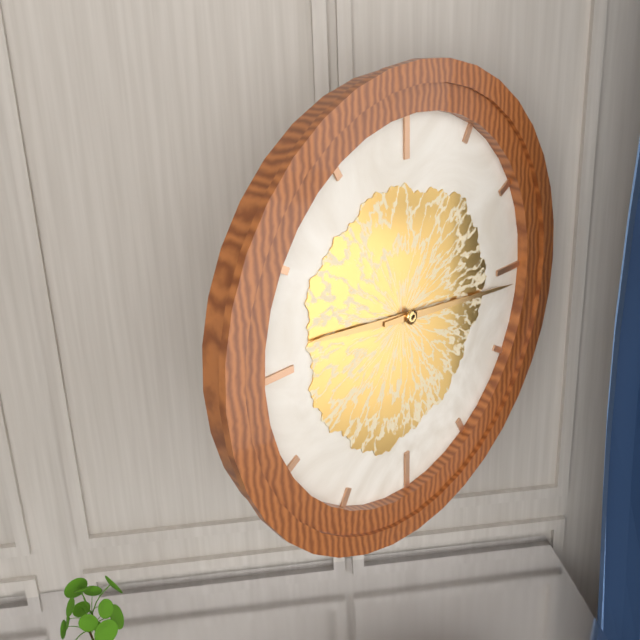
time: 9:16
